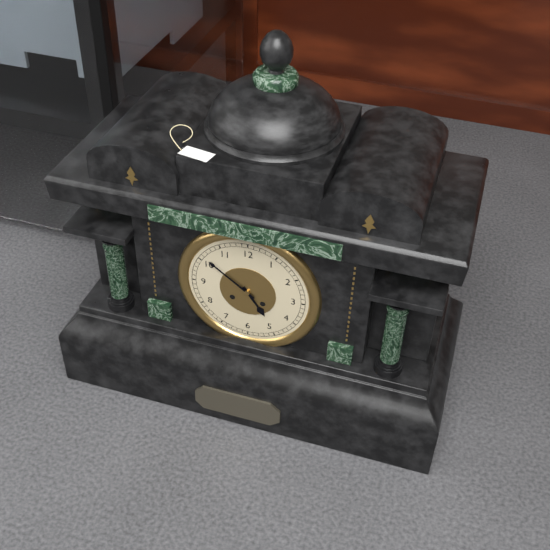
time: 4:51
